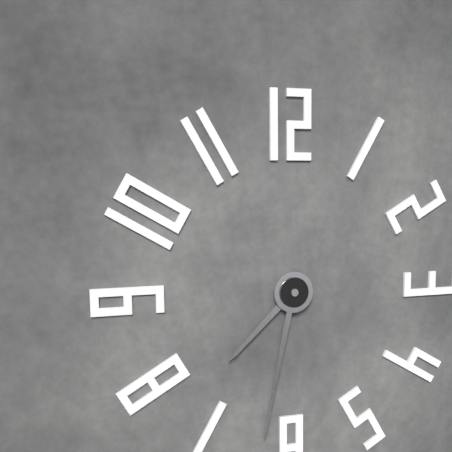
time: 7:32
